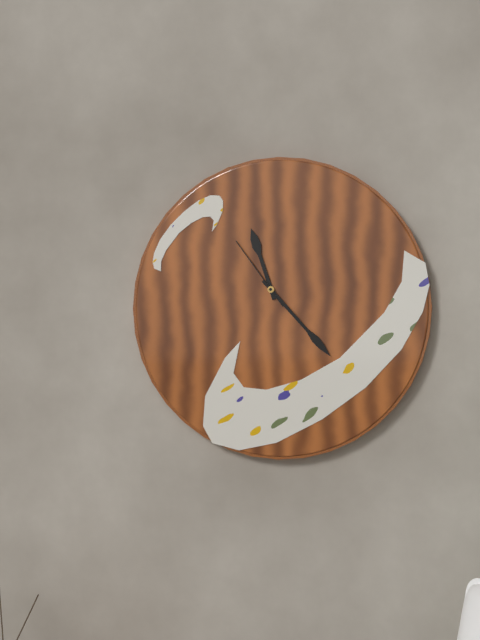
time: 11:23:54
